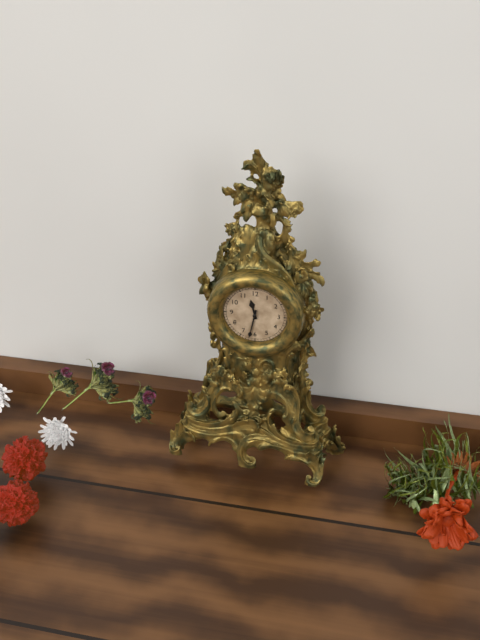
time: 11:32
